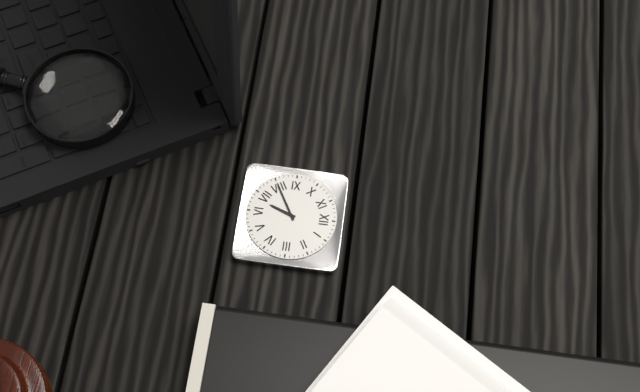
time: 6:40
